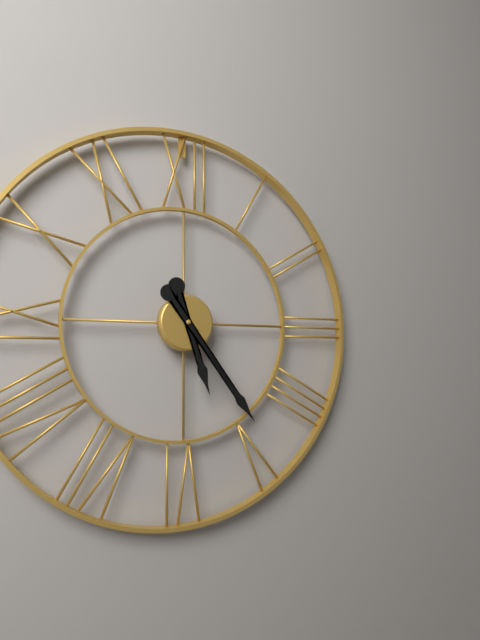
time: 5:24
